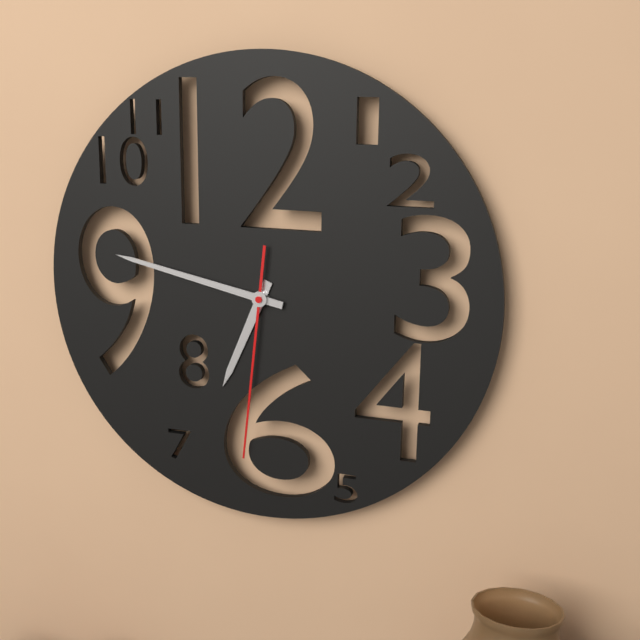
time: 6:47:31
